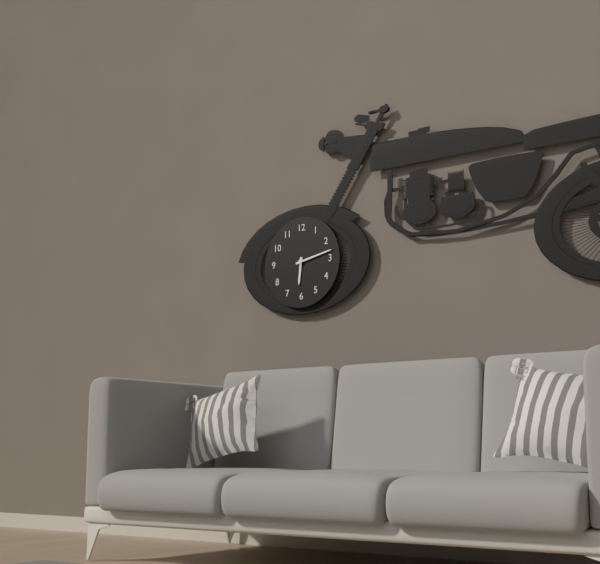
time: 6:13
